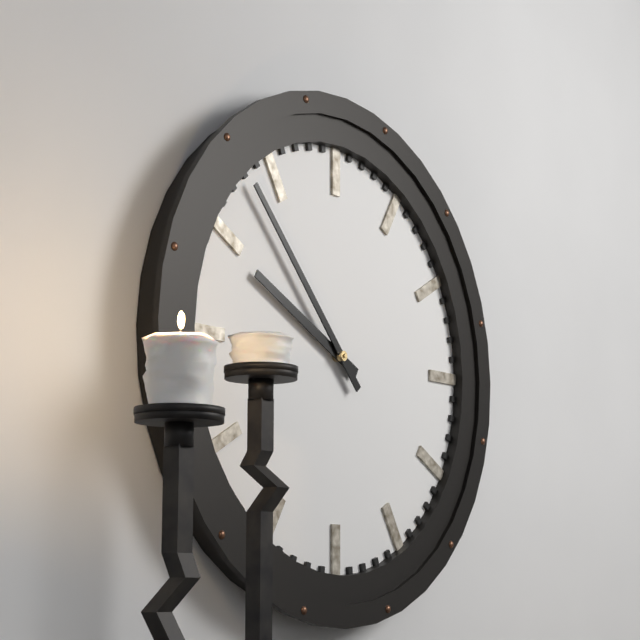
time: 9:53
